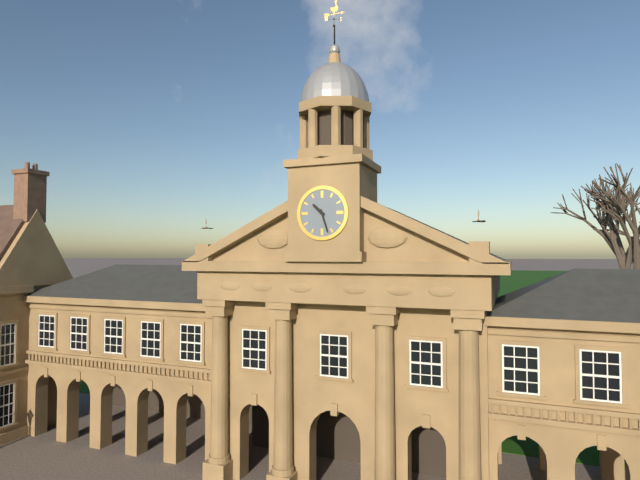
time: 10:27
